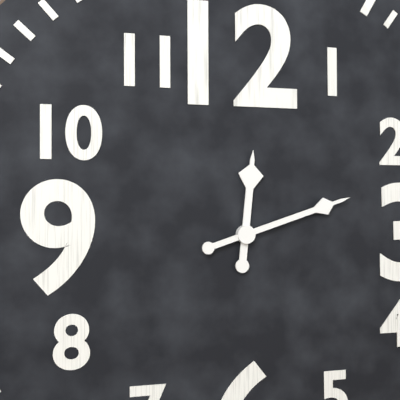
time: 12:12
